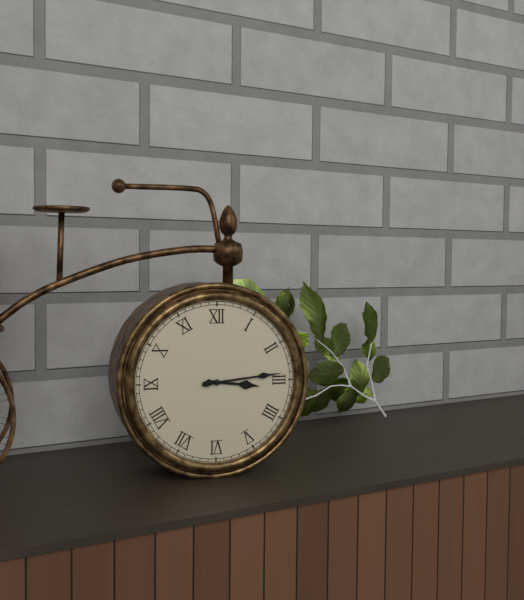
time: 3:14
